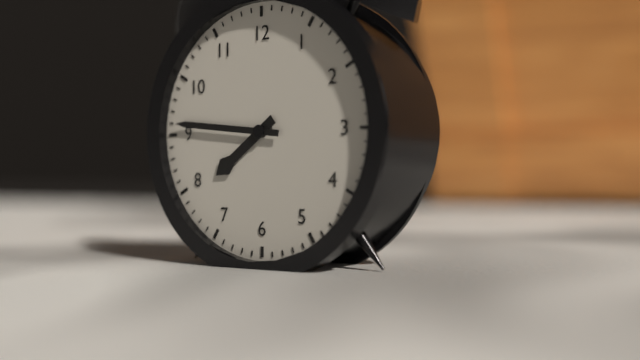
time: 7:46
